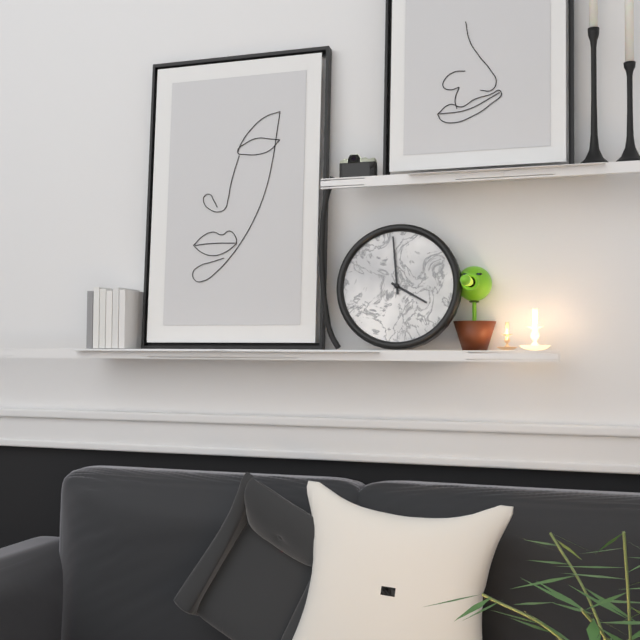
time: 3:59
